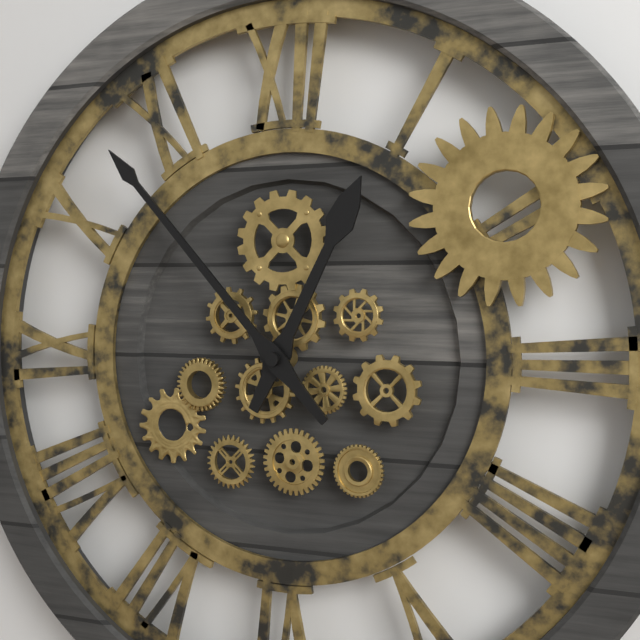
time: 12:53
